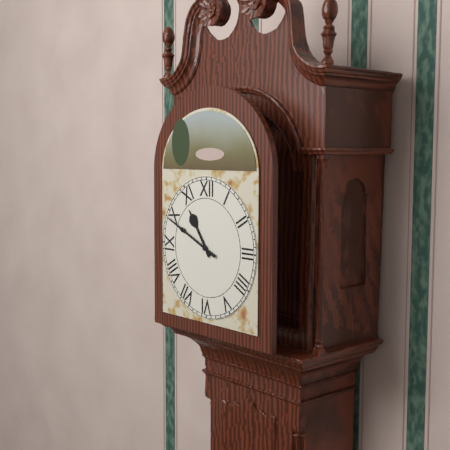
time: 10:49
